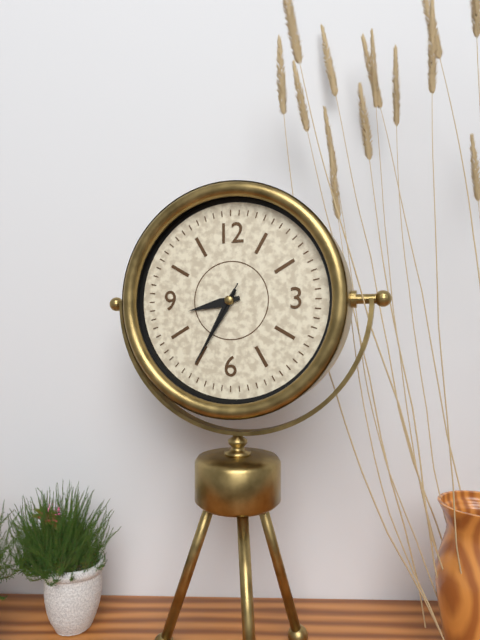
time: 8:35:35
